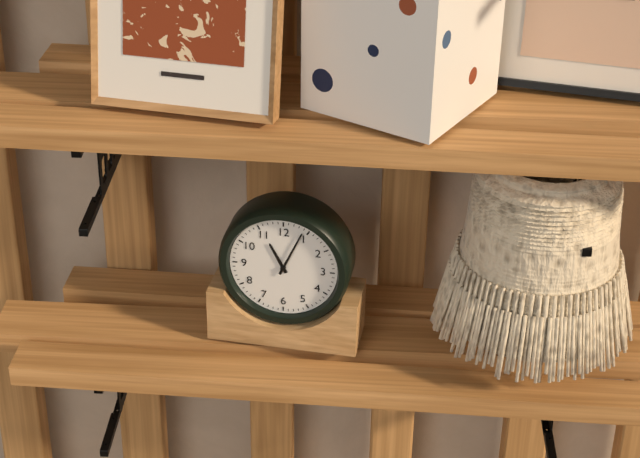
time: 11:04
